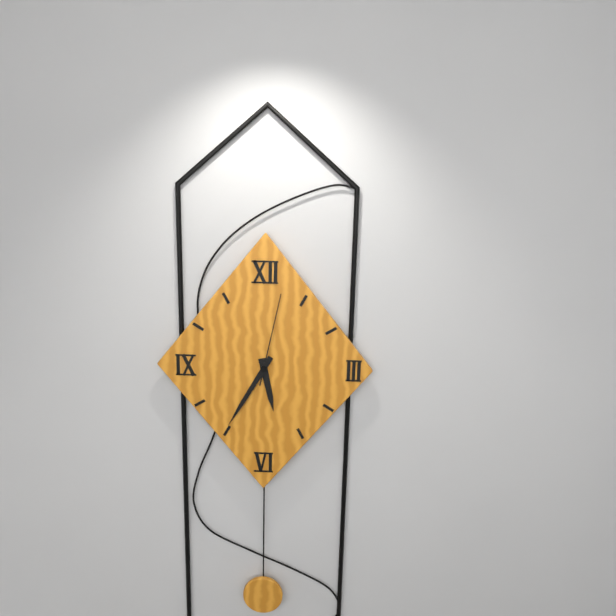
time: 5:35:02
